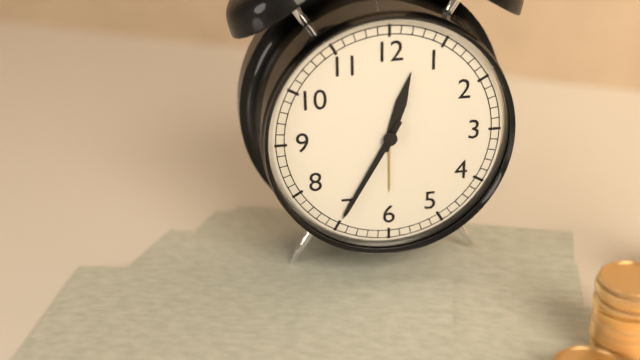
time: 12:35
